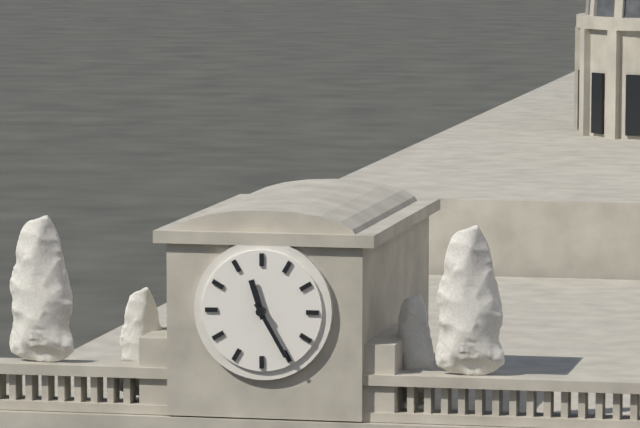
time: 11:25
